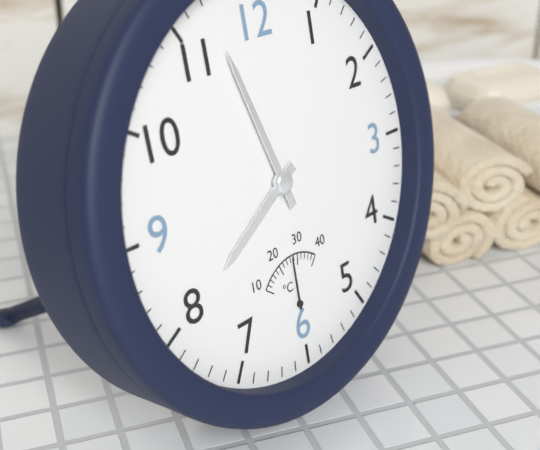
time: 7:57
